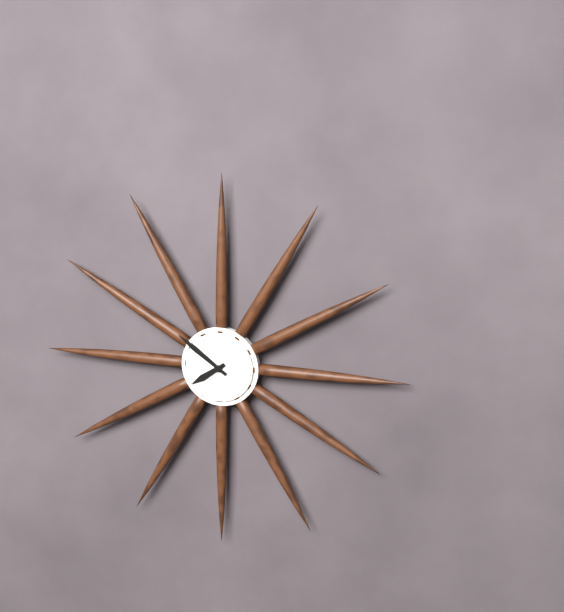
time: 7:51
